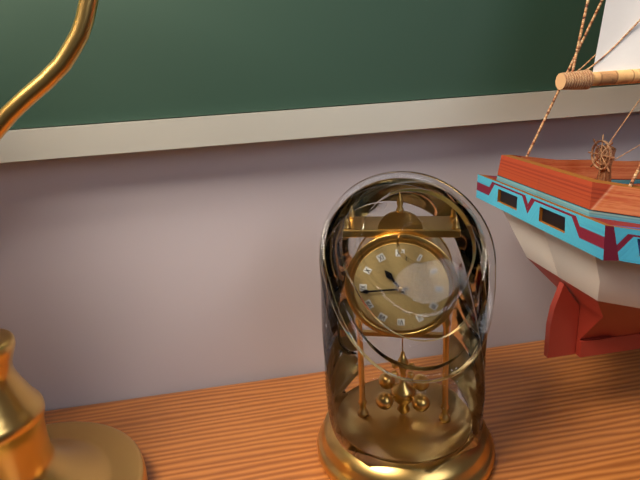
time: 10:44
